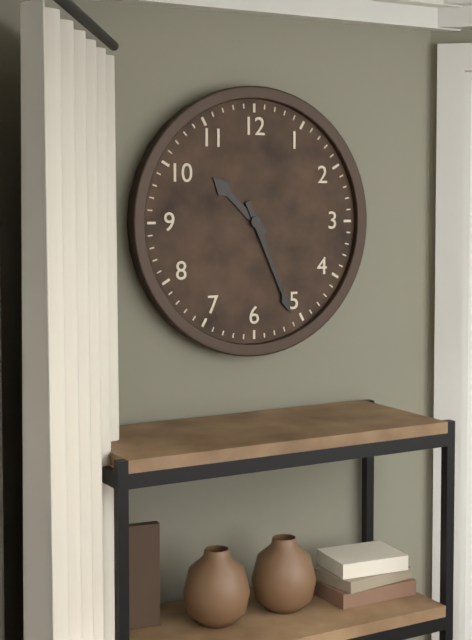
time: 10:26
